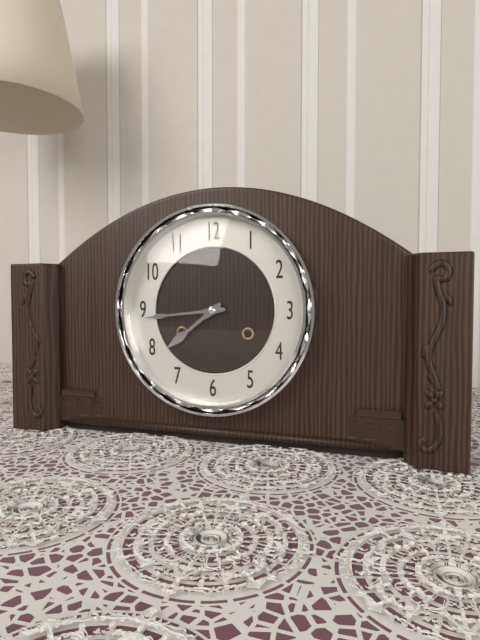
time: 7:44
